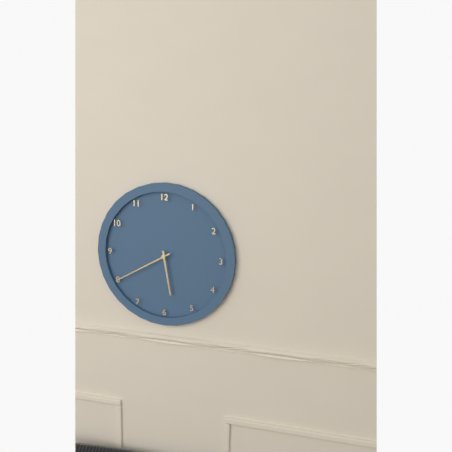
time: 5:40
